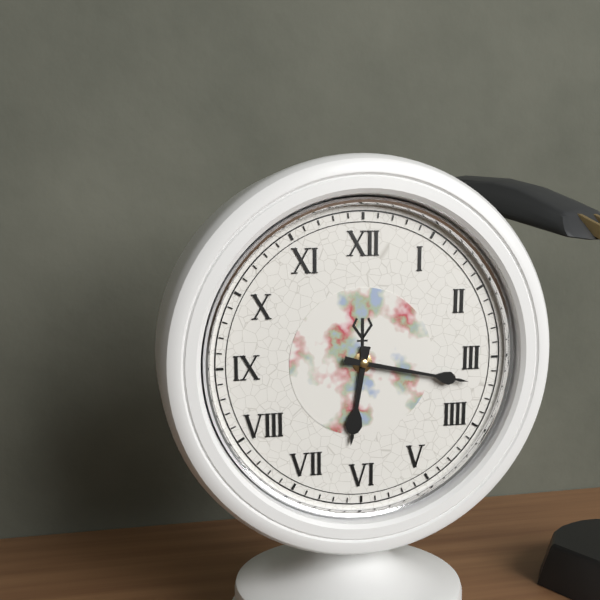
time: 6:17
